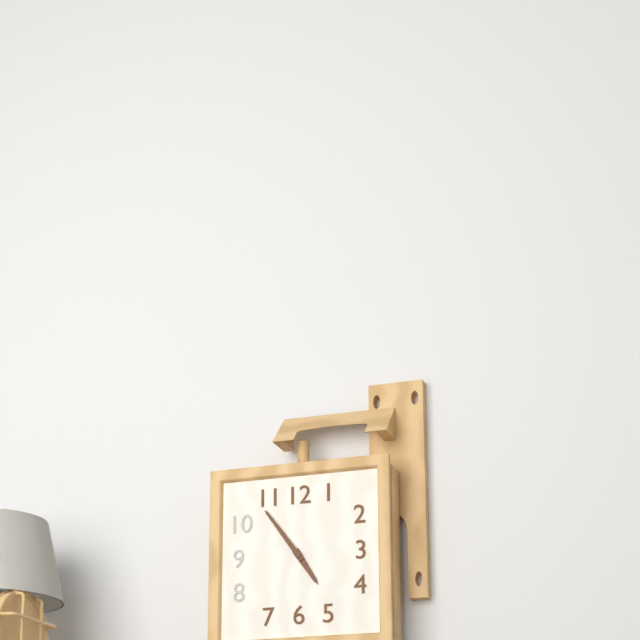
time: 4:54
